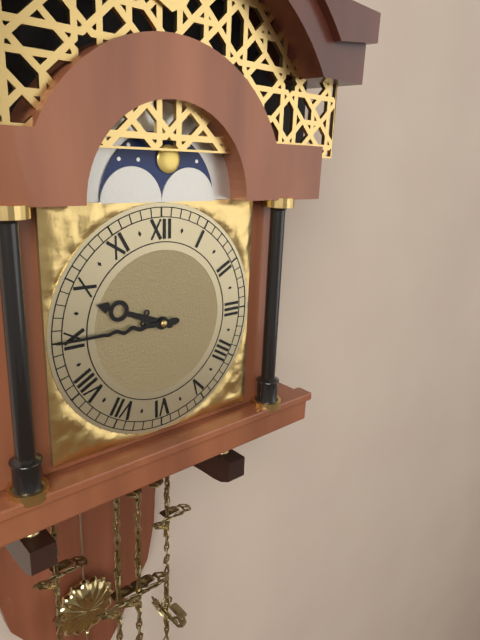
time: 9:45
